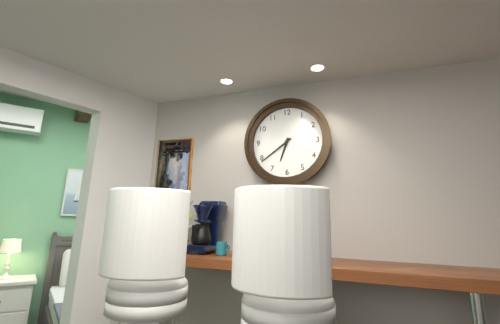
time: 6:39
